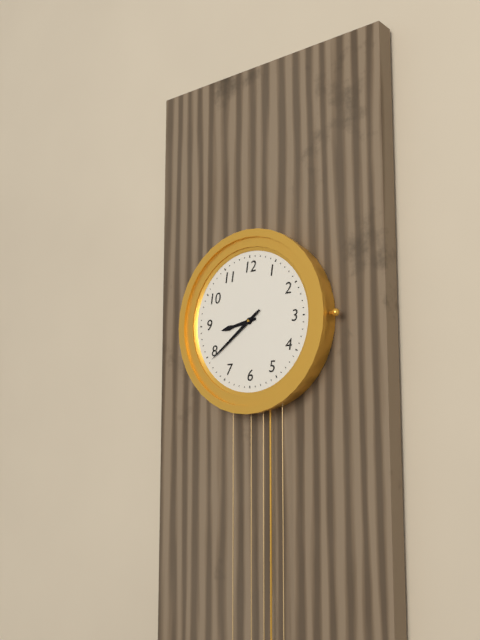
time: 8:39
